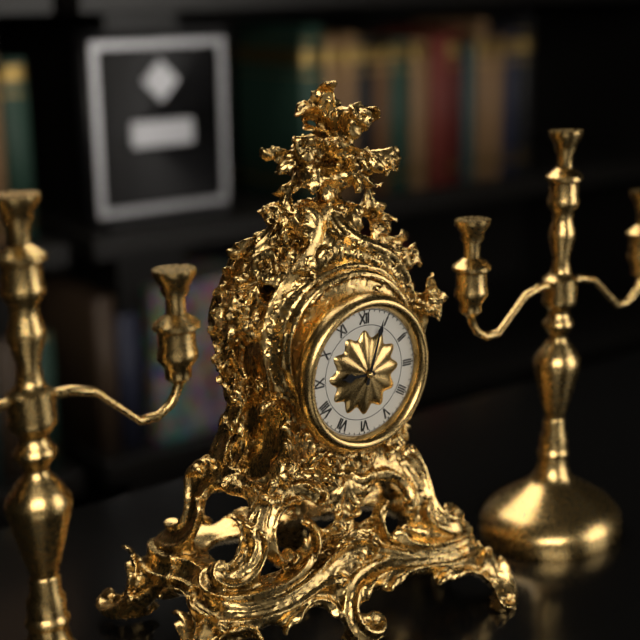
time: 9:03
